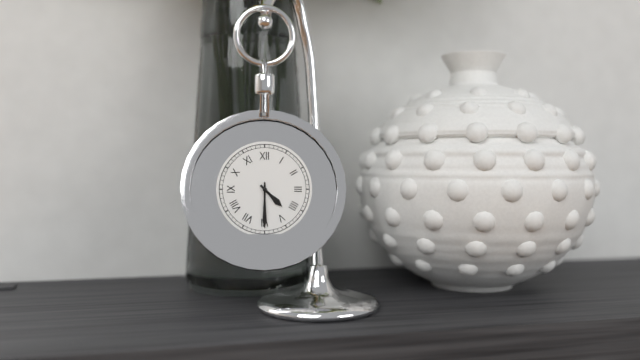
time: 4:30
